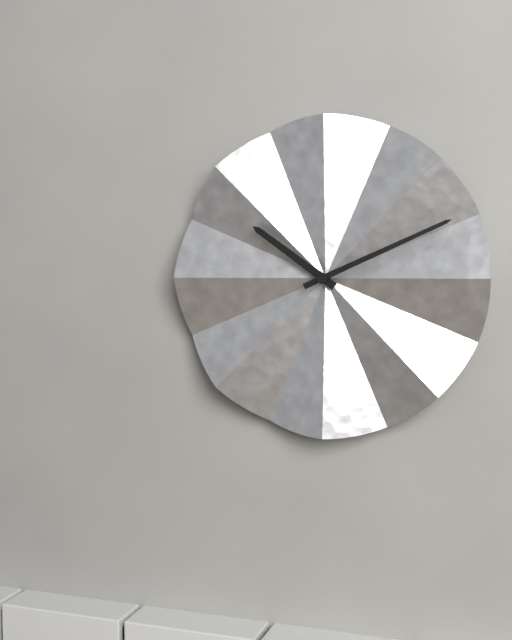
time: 10:11
